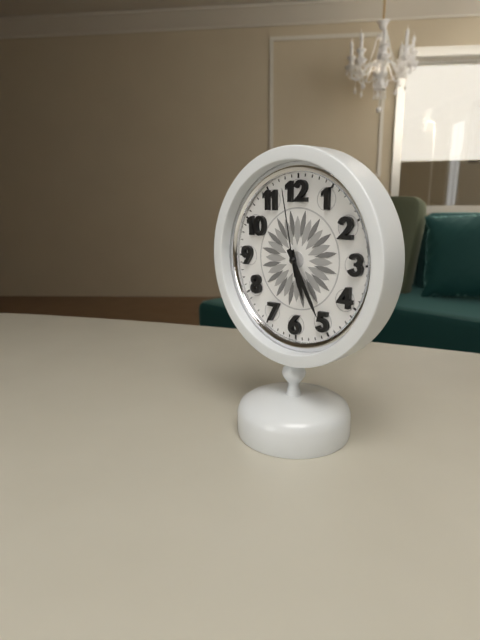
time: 5:25:58
